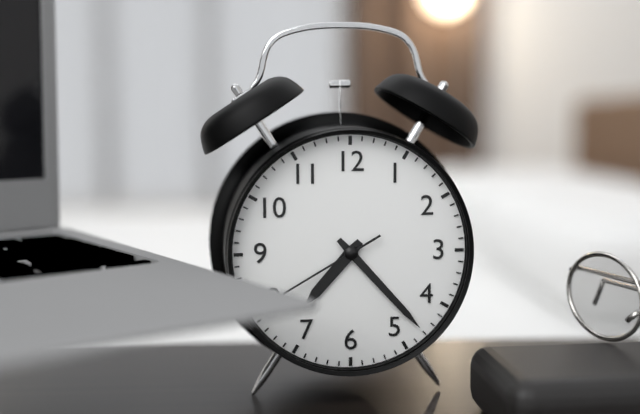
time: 7:23
